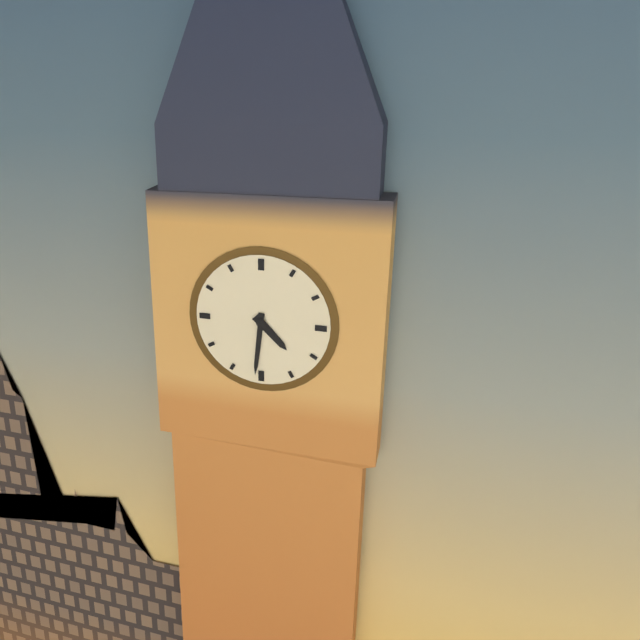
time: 4:31
